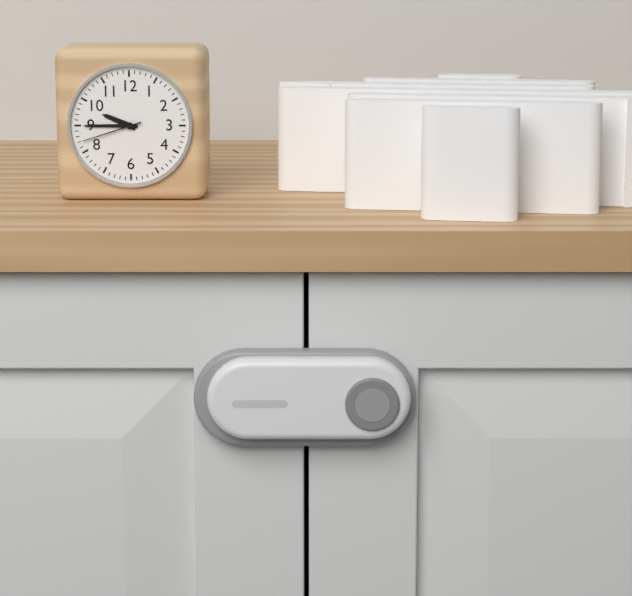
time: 9:45:42
